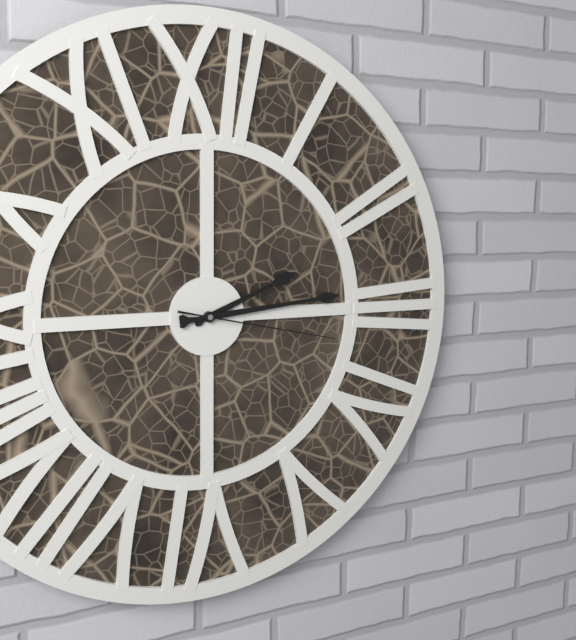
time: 2:14:17
